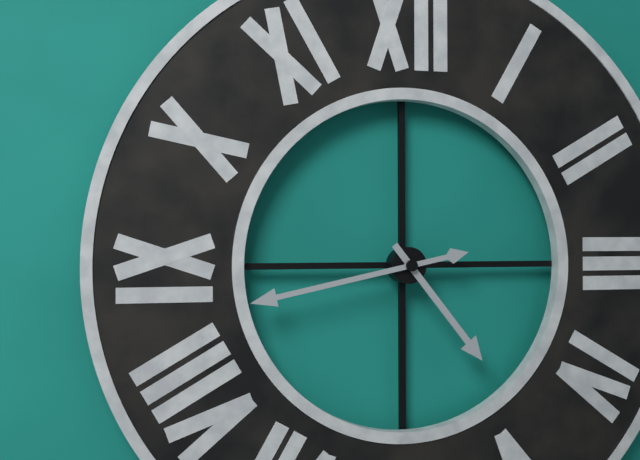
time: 4:43
